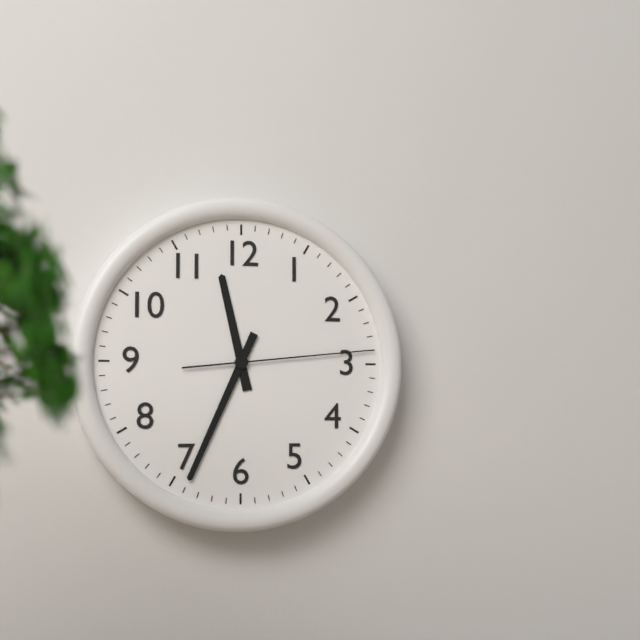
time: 11:34:14
